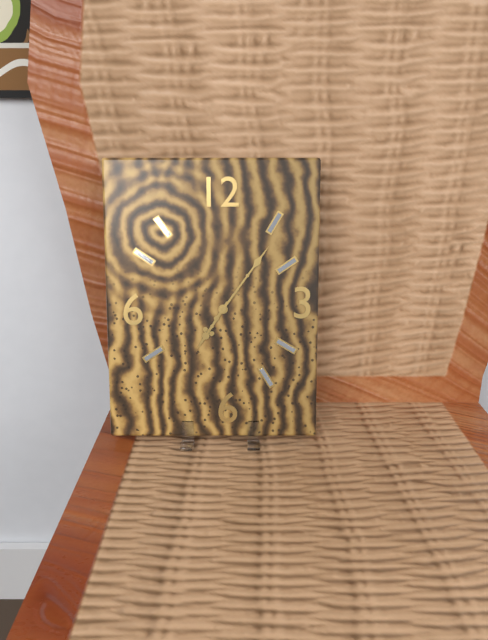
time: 7:06
